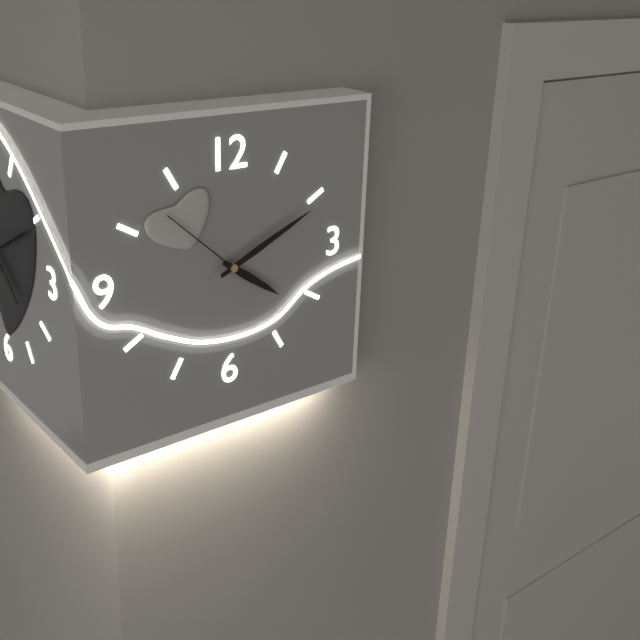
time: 4:11:52
